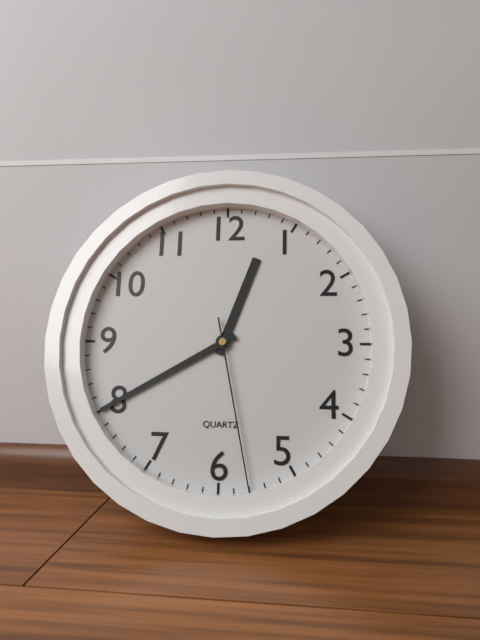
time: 12:40:28
